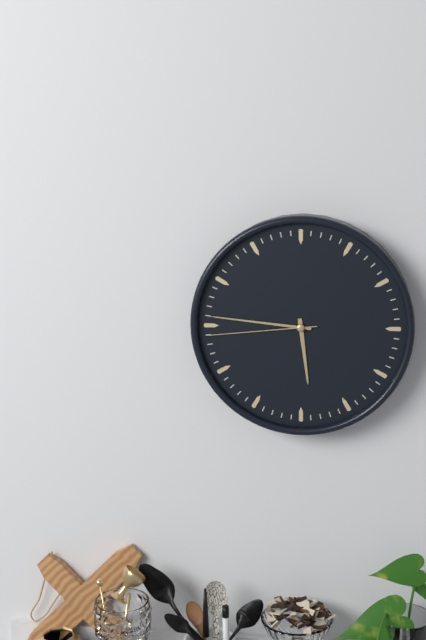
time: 5:46:44
